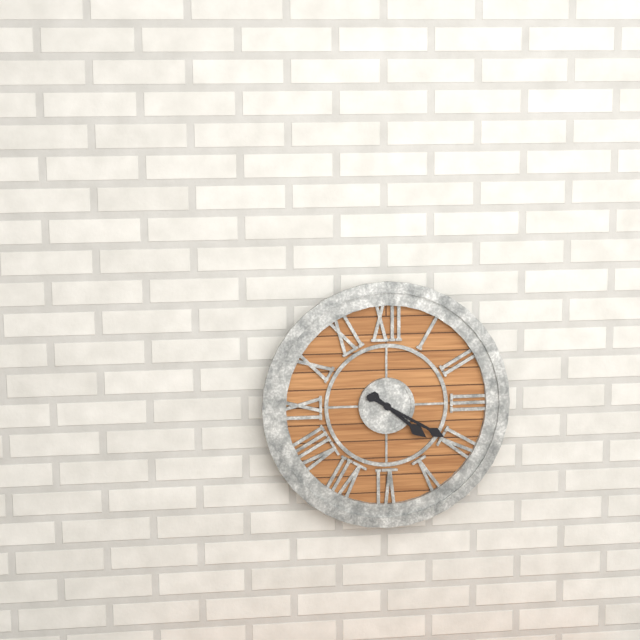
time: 4:20
